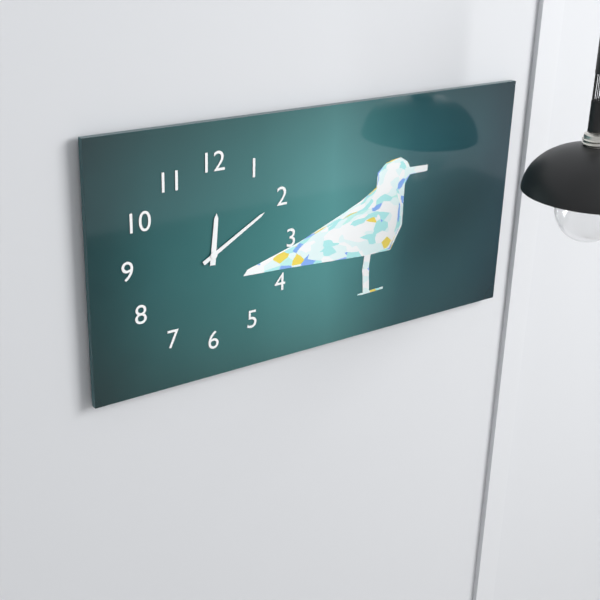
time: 12:10
